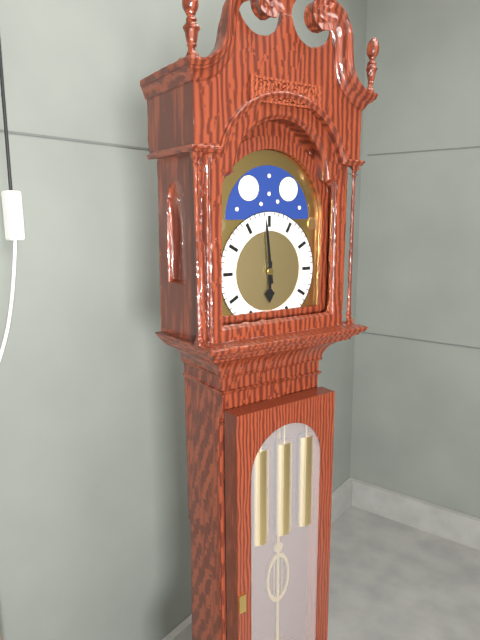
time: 5:59
